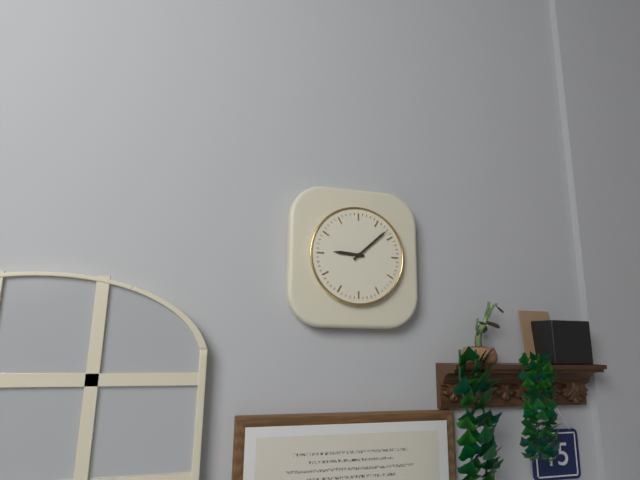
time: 9:08
